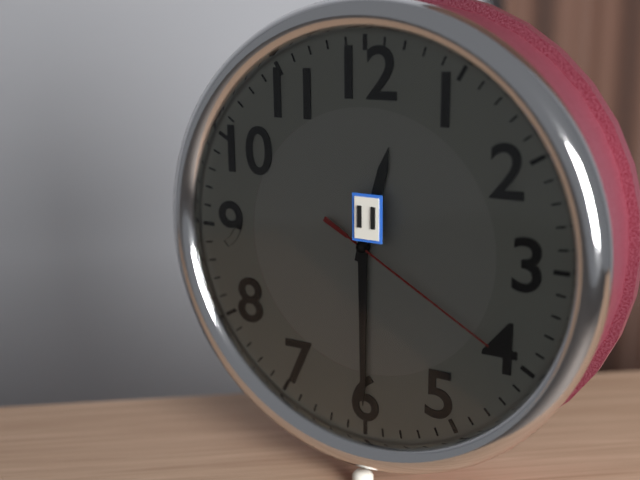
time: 12:30:20
